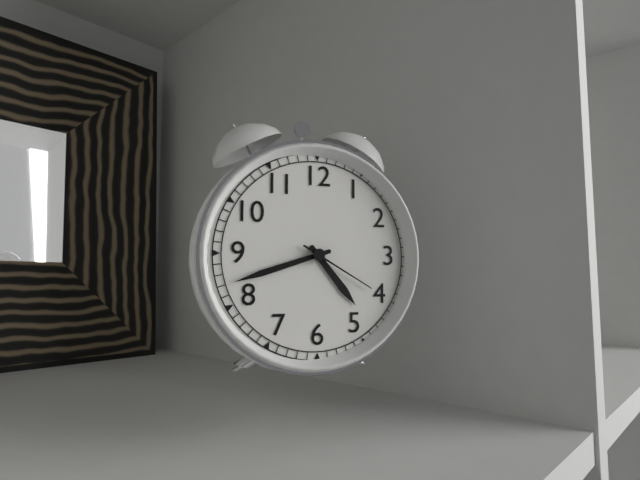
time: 4:42:20
